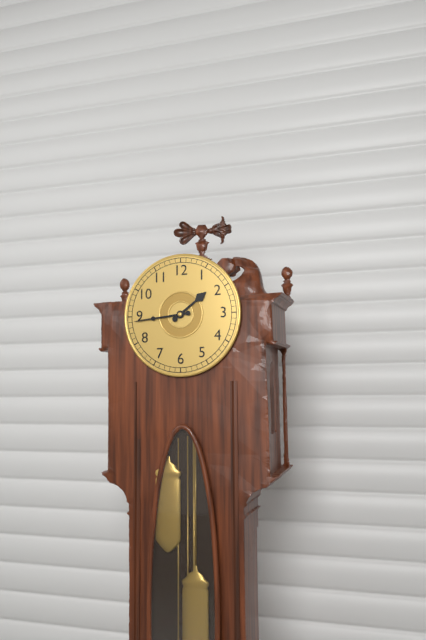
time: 1:44
